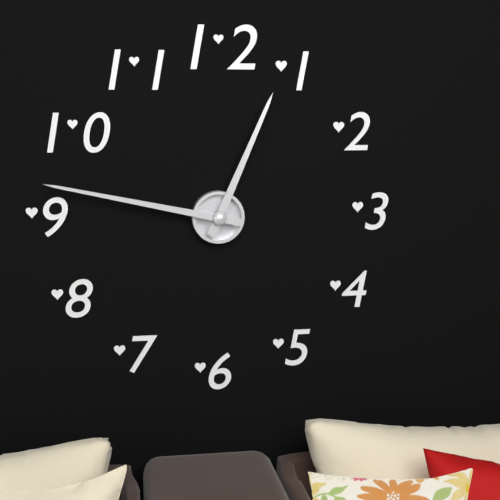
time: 12:47
